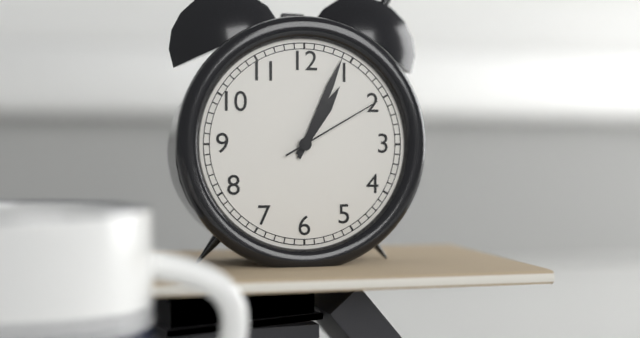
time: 1:04:10
